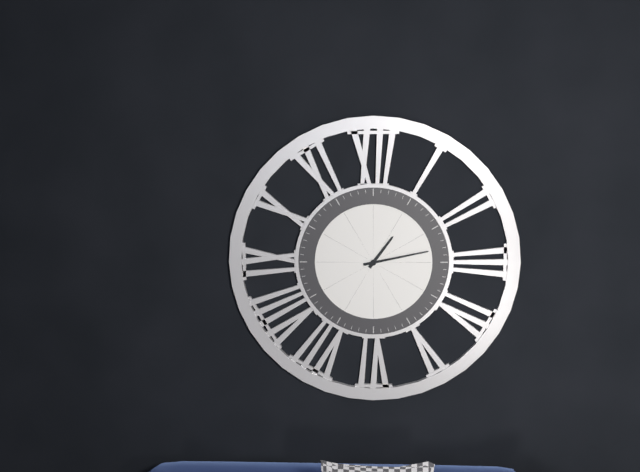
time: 1:13
